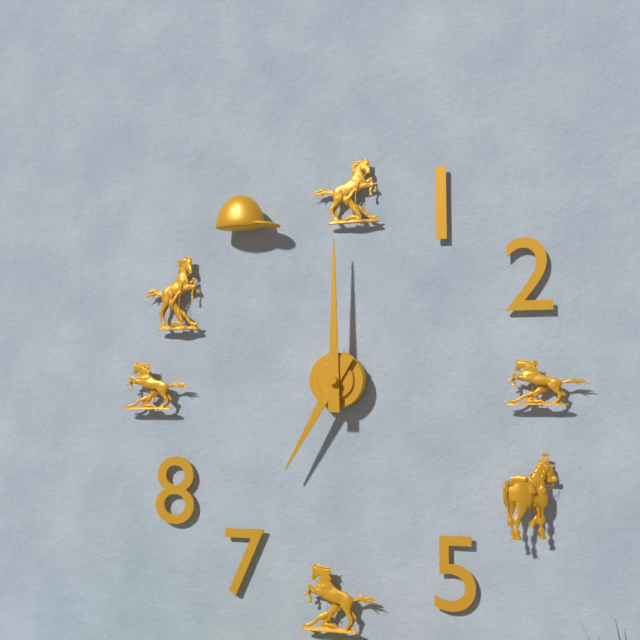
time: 7:00
